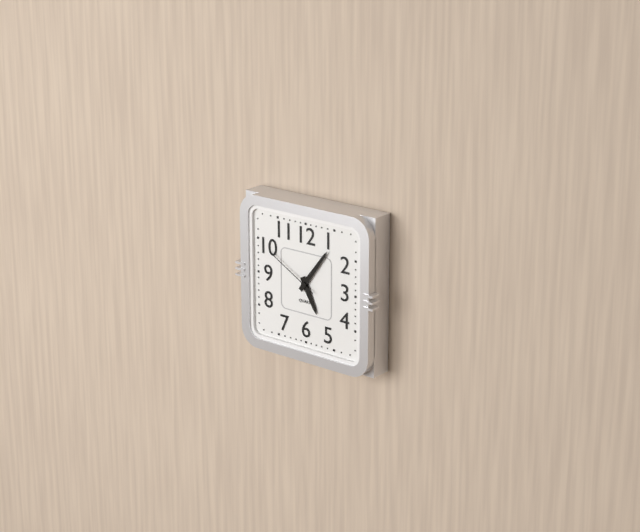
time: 5:06:50
